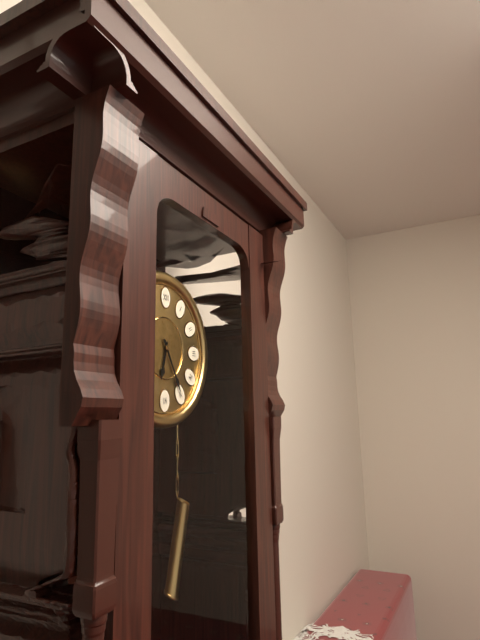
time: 6:25
